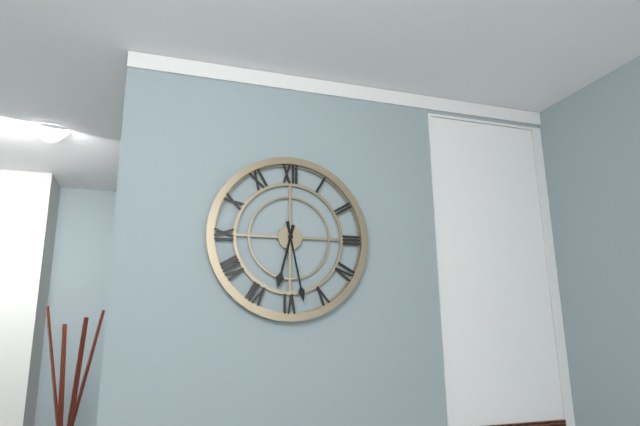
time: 6:28
